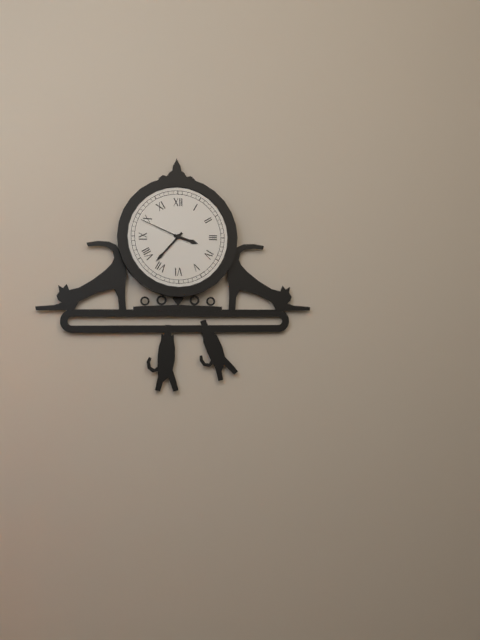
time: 3:37:49
